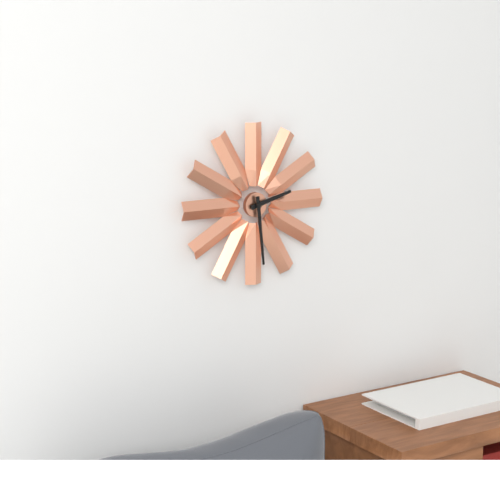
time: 2:29
